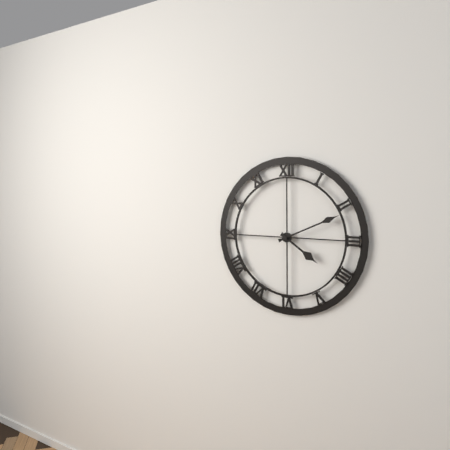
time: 4:11
